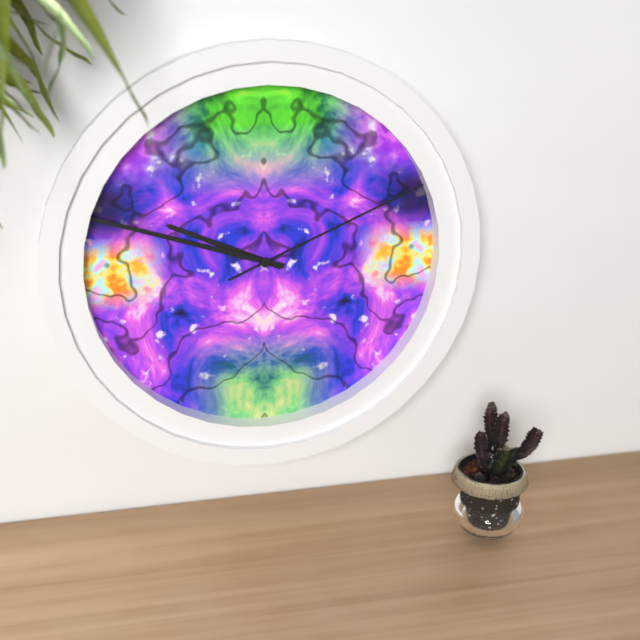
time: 9:48:11
